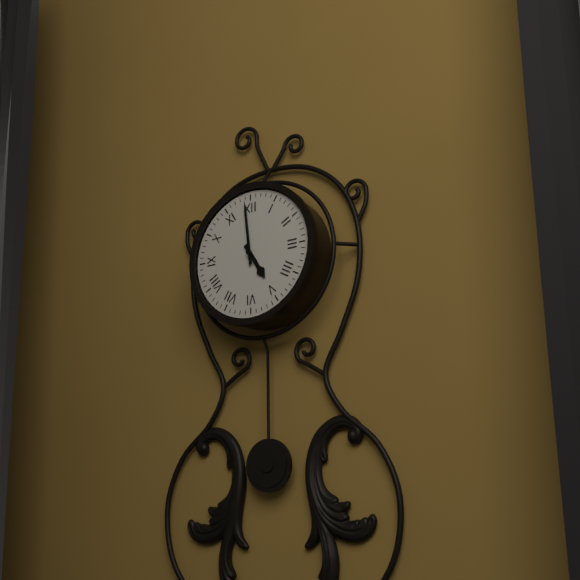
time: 4:59
